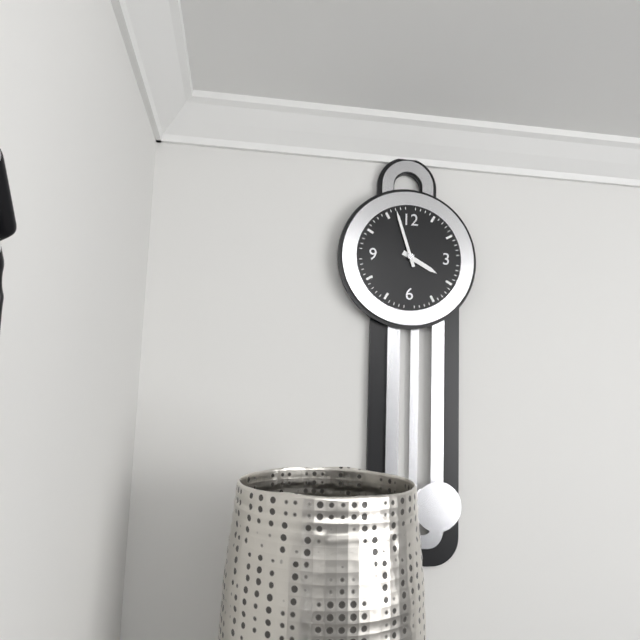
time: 3:57
